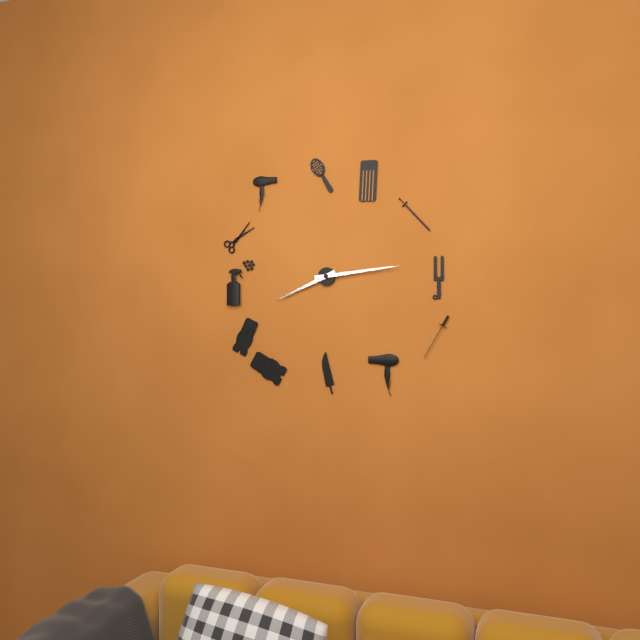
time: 8:14
